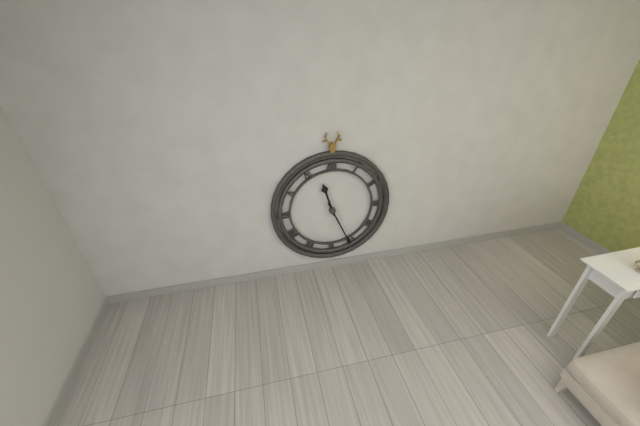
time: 11:26
